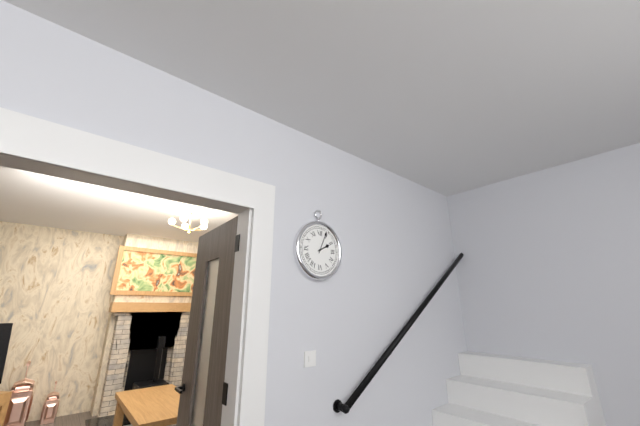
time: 2:04
